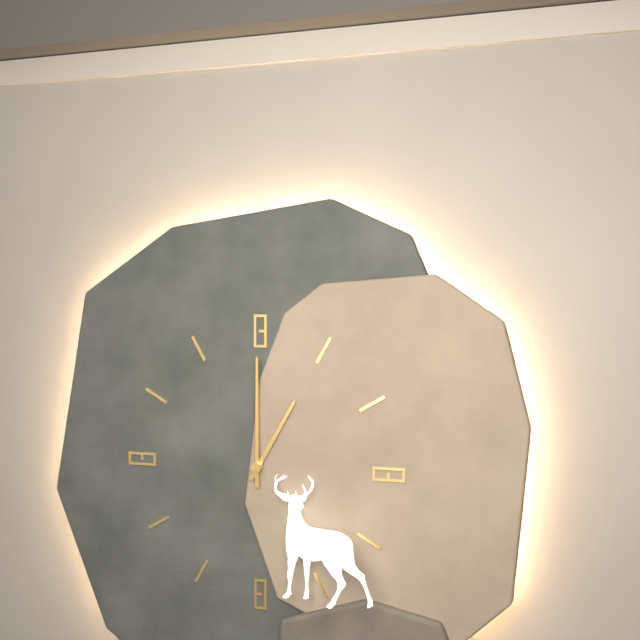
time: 1:00
